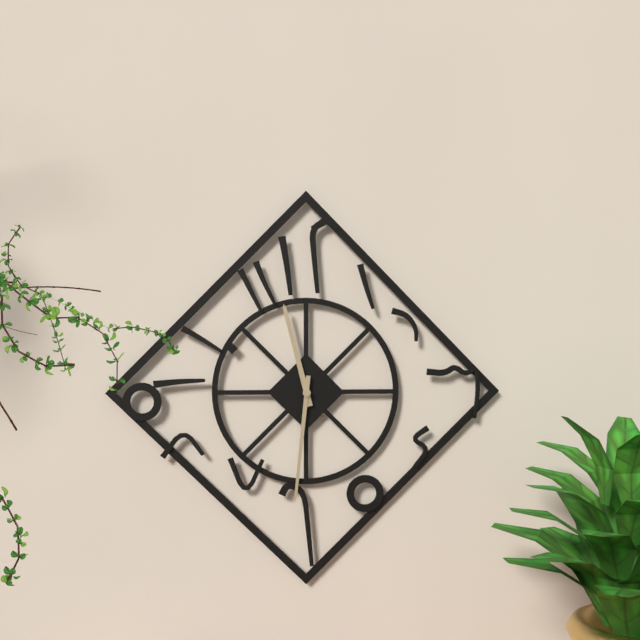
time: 11:31
